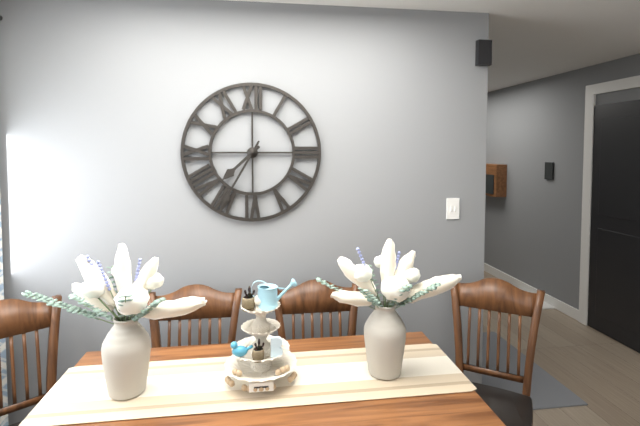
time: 7:35
